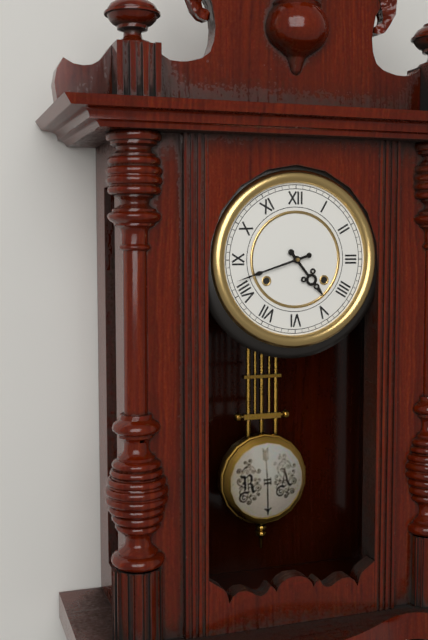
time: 4:42
